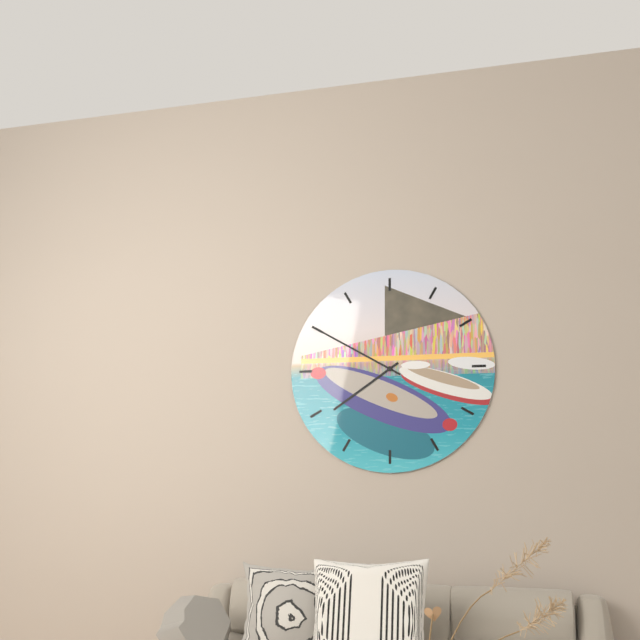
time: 7:50
